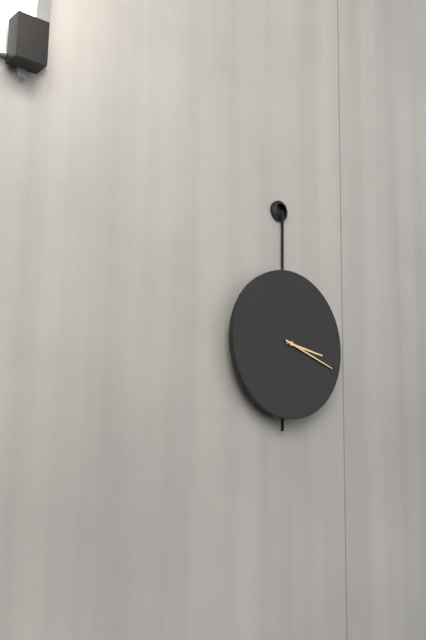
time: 3:18
